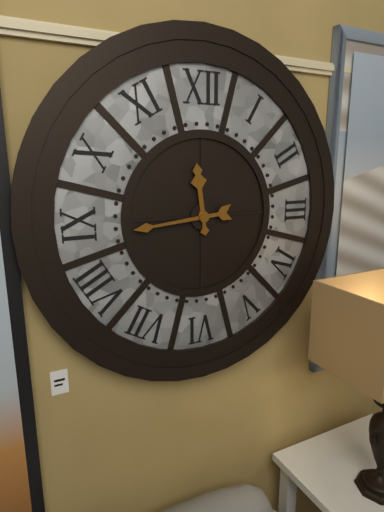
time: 11:44
